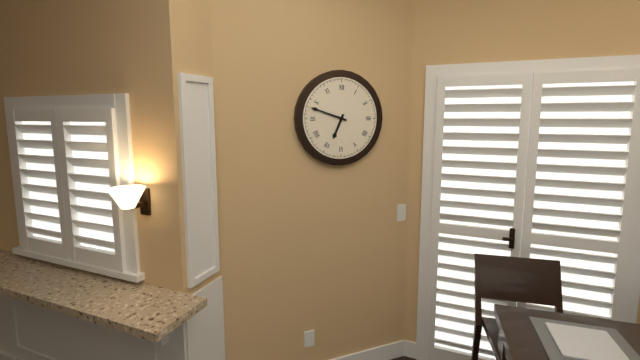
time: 6:48
